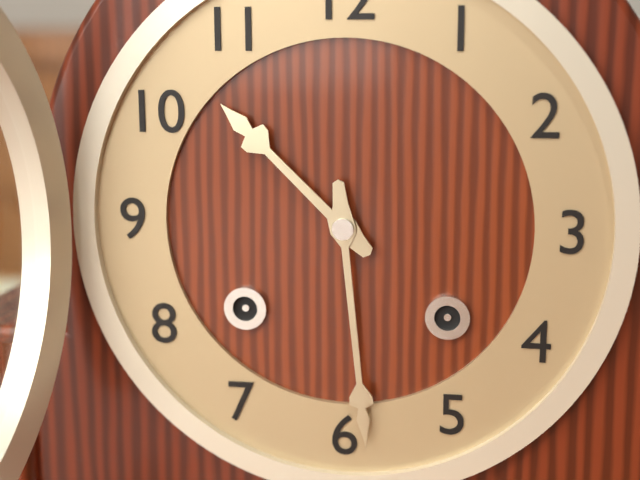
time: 10:29
